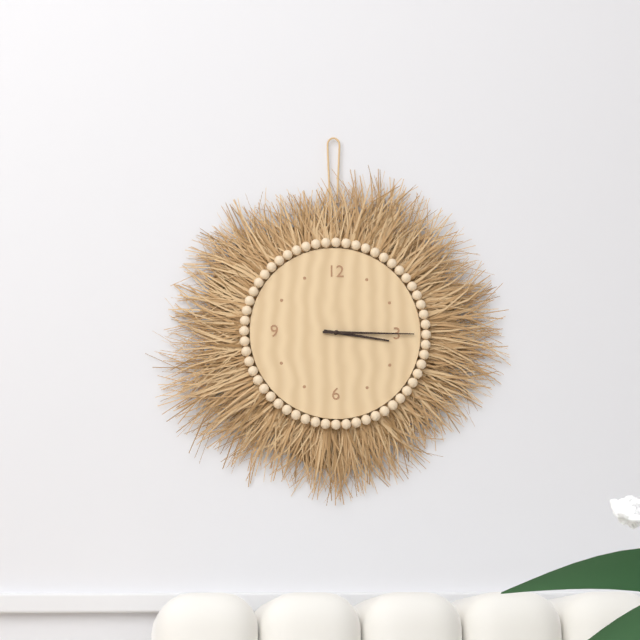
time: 3:15
